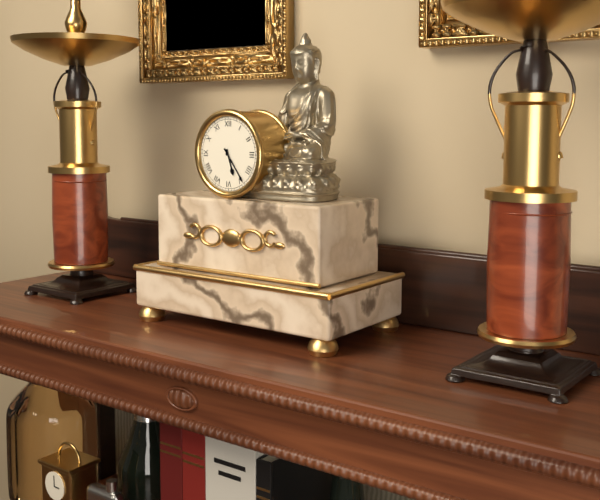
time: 5:24
